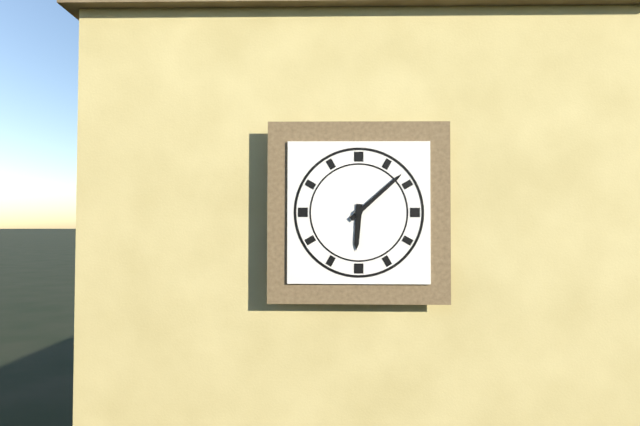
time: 6:08
